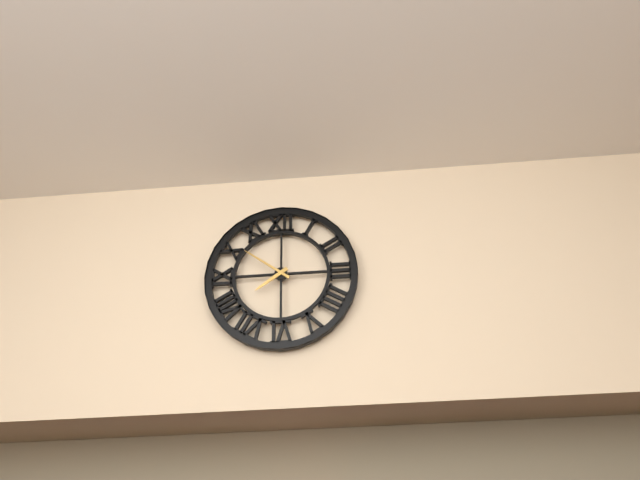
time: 7:51
